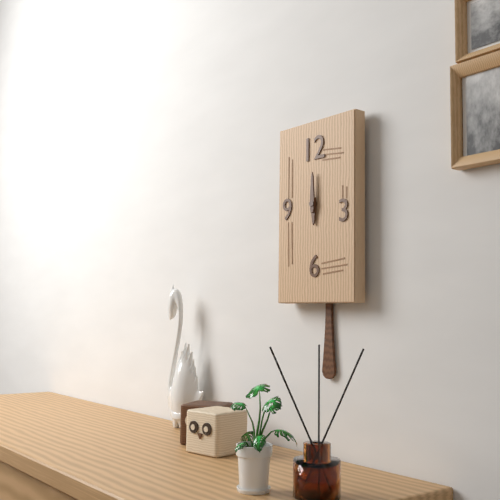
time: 6:00
